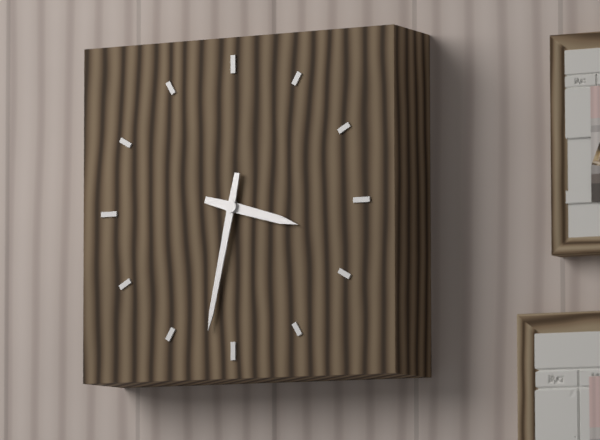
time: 3:32
